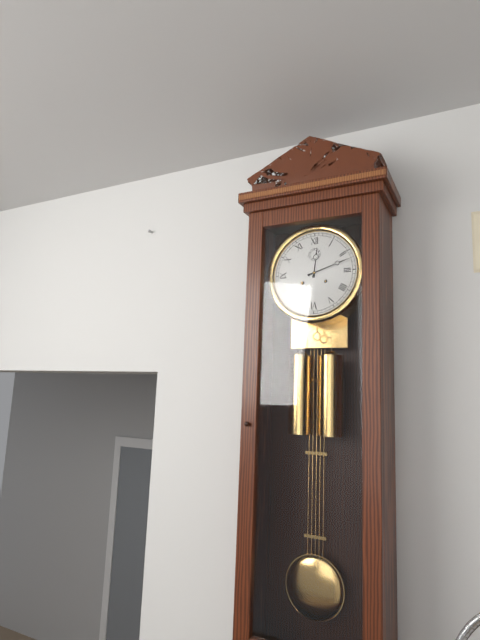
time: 12:12
